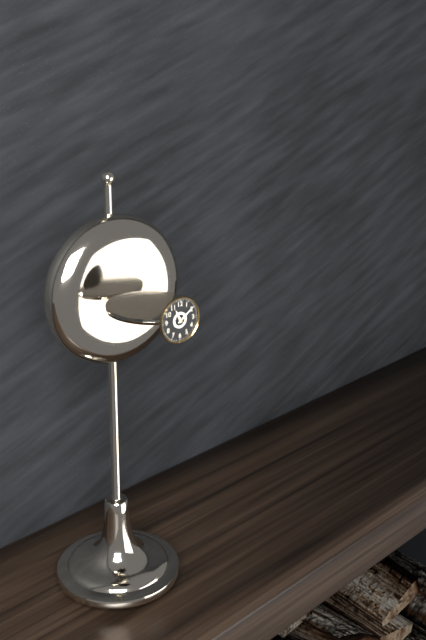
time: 11:09
